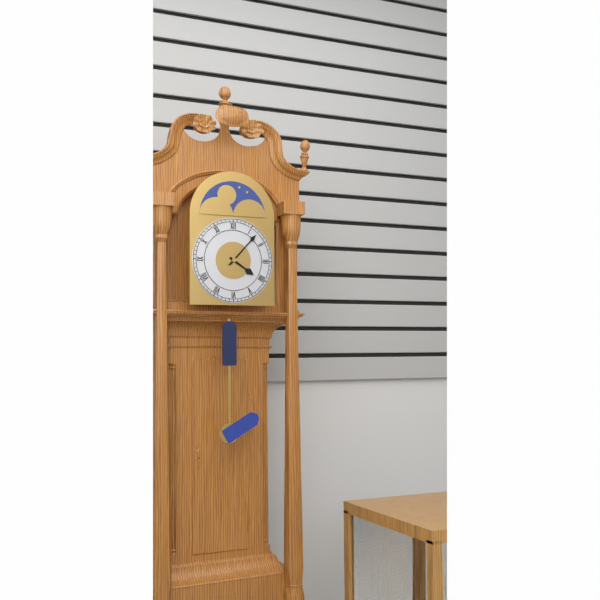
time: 4:07
